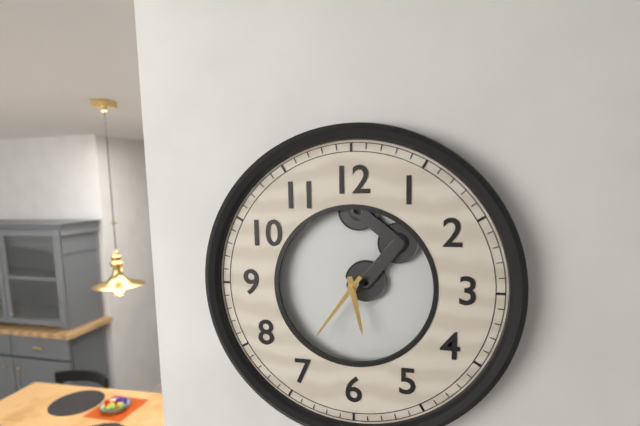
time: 5:36
